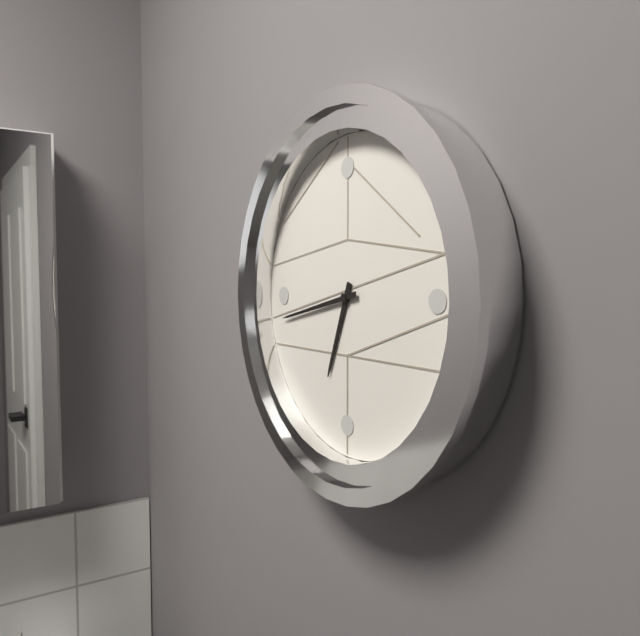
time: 6:43
